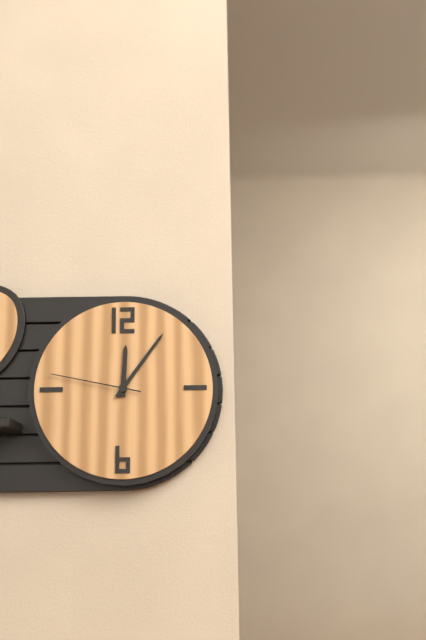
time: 12:06:47
